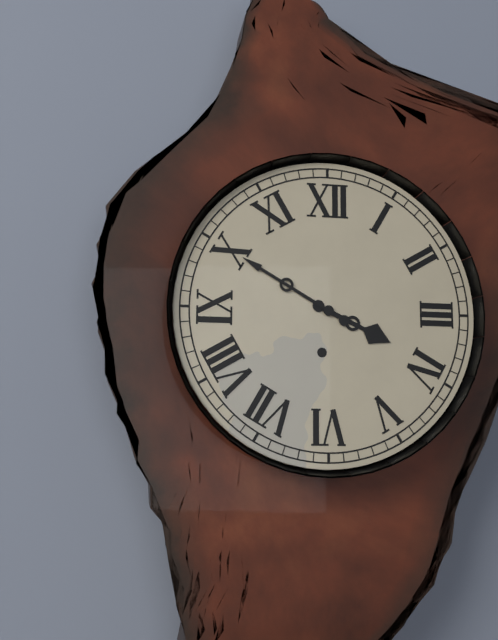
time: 3:50
